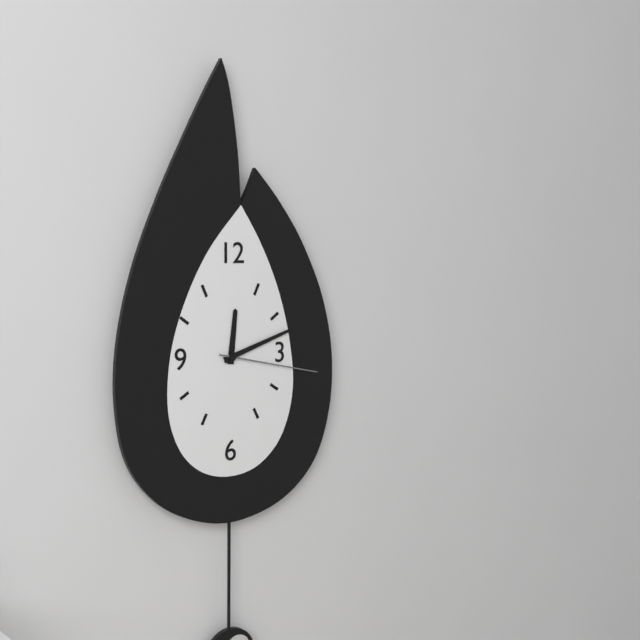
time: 12:12:17
